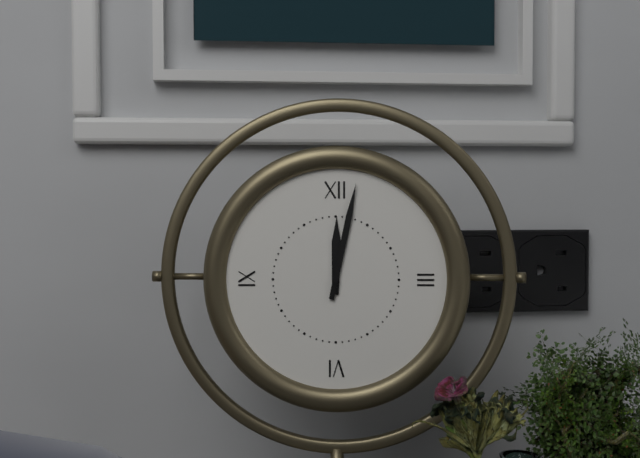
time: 12:02
